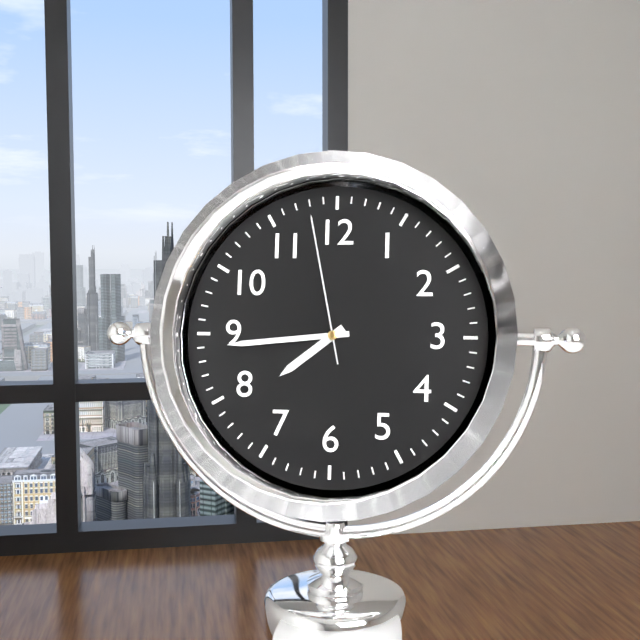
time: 7:44:58
